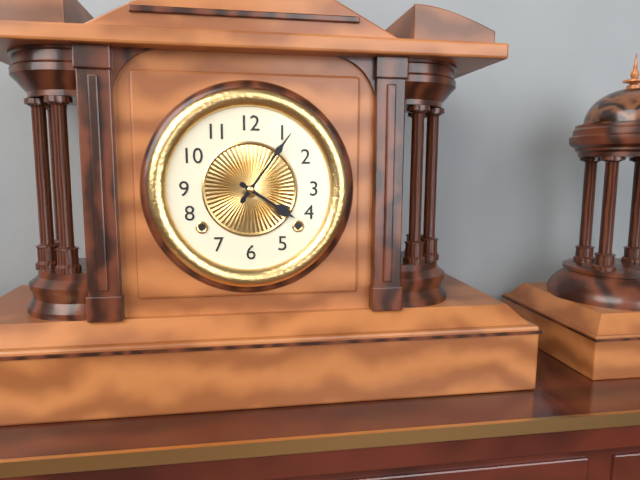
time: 4:06
